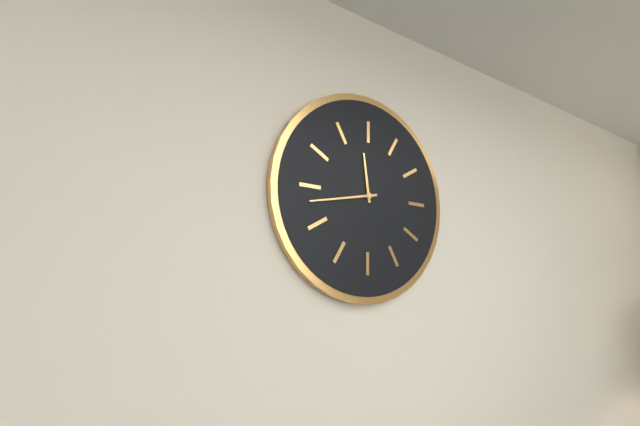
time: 11:43
